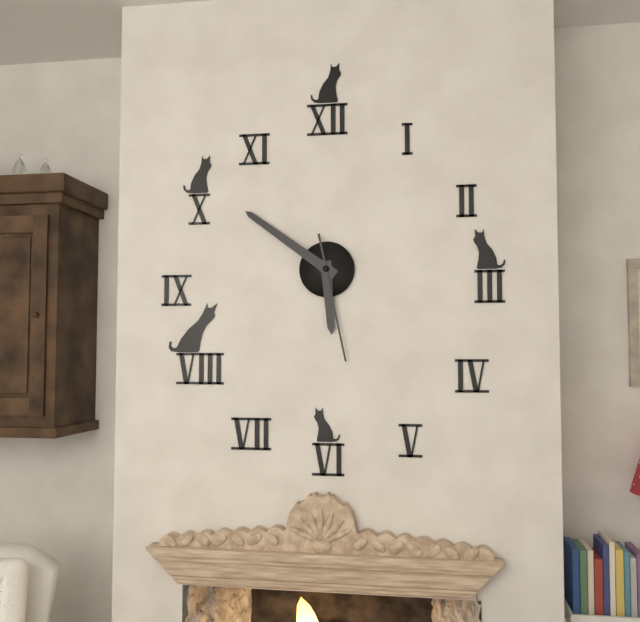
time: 5:51:28
